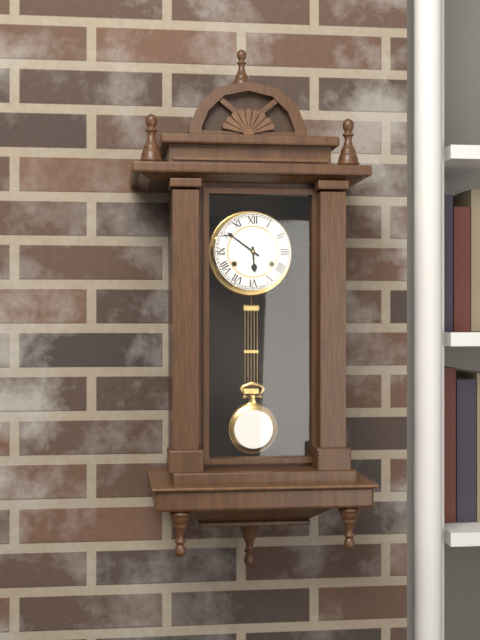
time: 5:51
